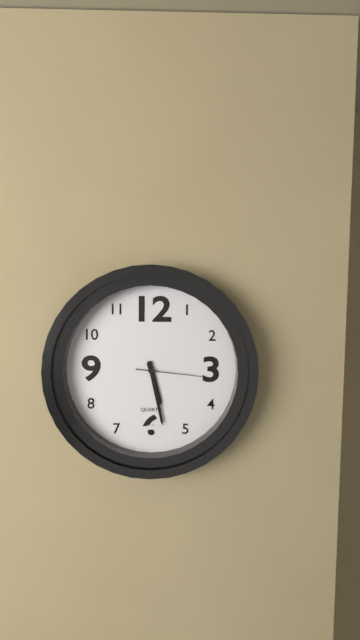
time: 5:28:16
